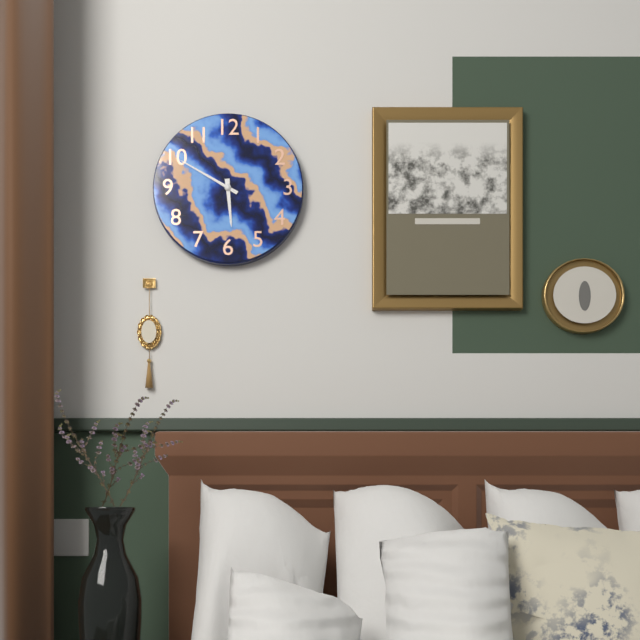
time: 5:50
